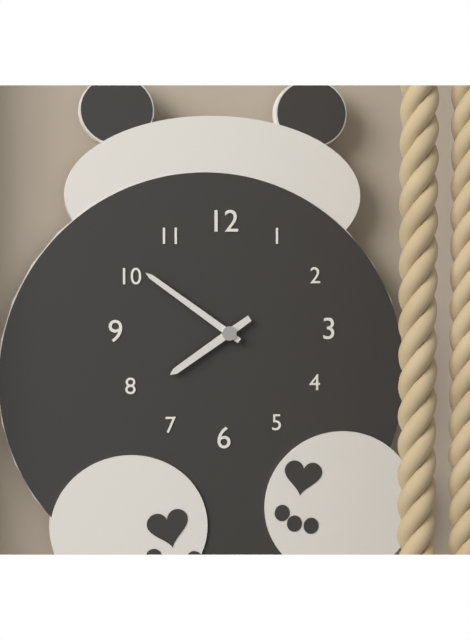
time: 7:51
